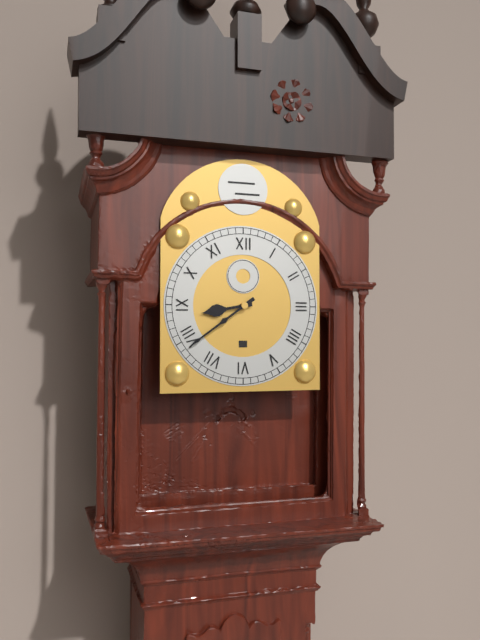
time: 8:39
